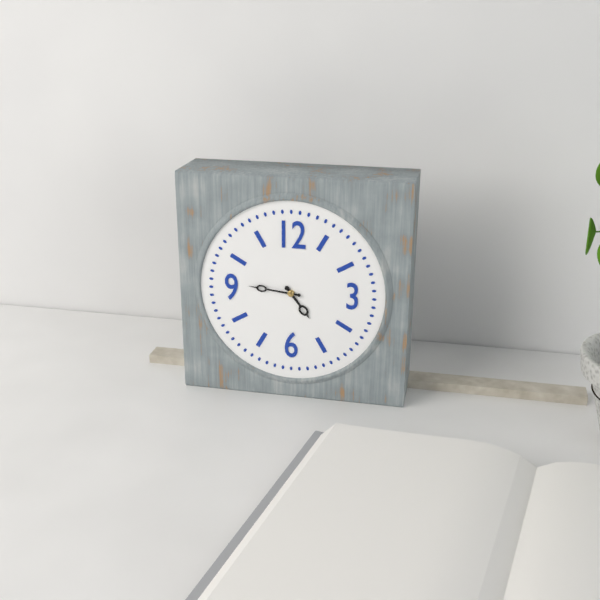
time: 4:46
